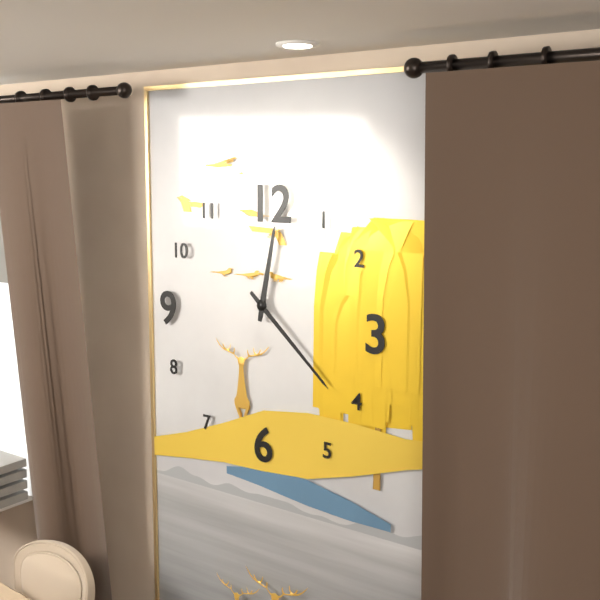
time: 12:22
